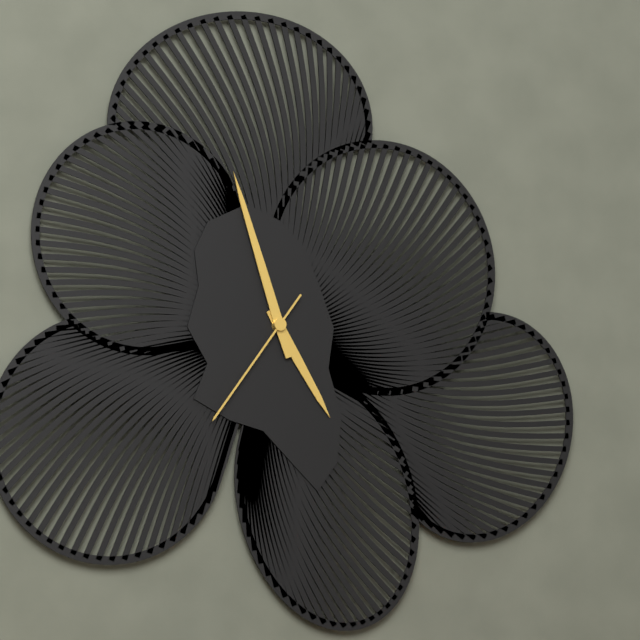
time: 4:57:36
